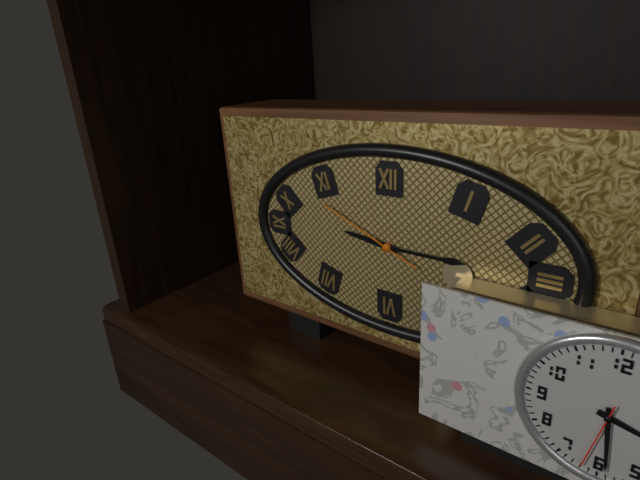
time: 9:15:49
